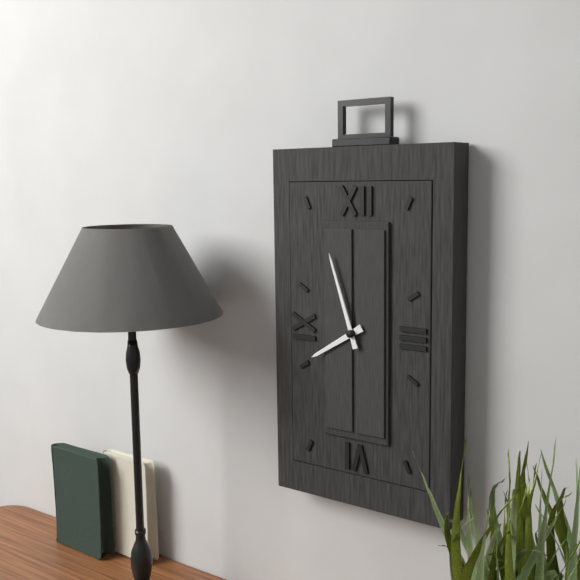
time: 7:57
